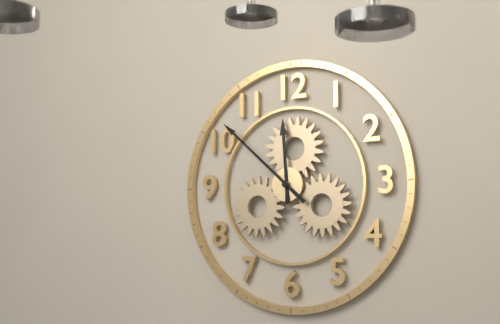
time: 11:52
